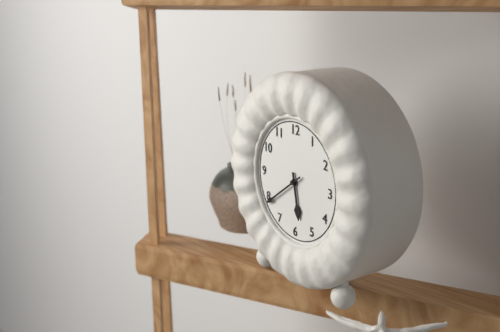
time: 5:39
